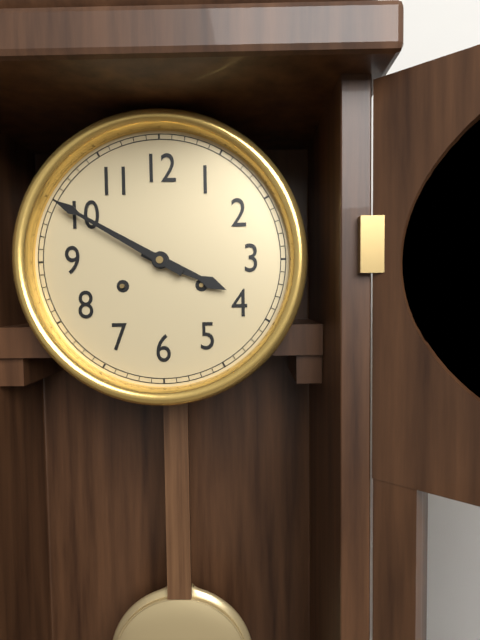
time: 3:50
